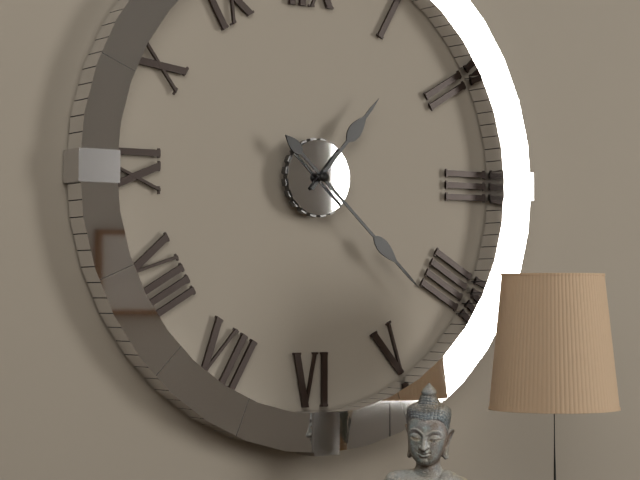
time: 1:22
